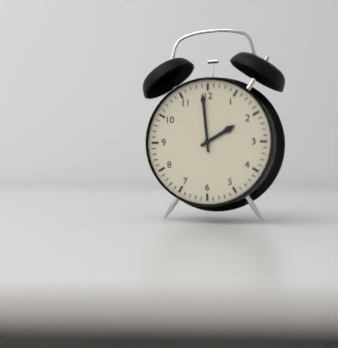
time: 1:59
